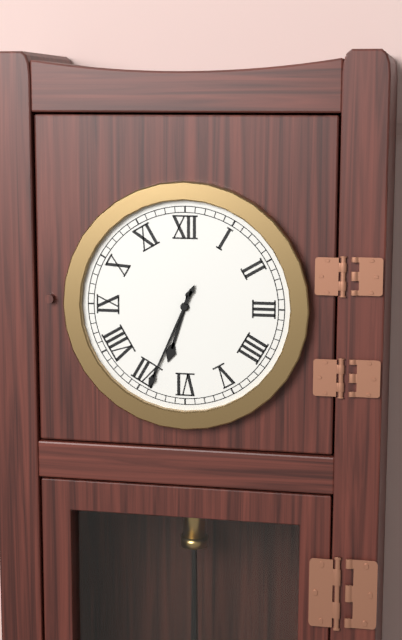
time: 6:34
